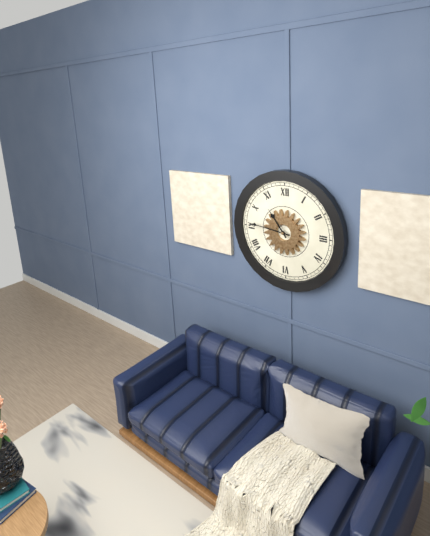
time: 10:46
